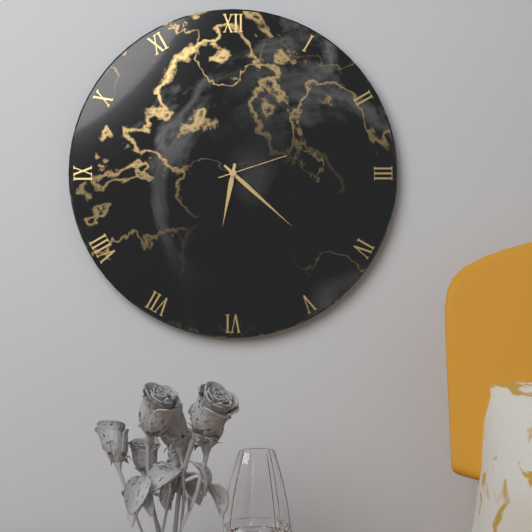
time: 6:22:12
